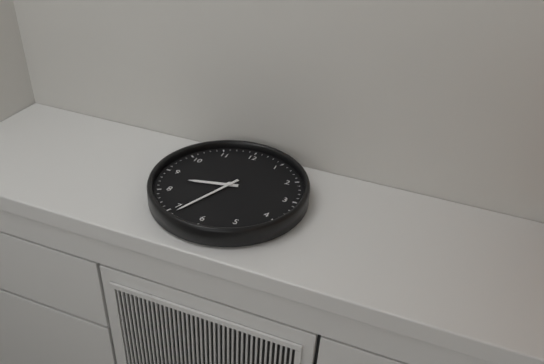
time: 8:34
